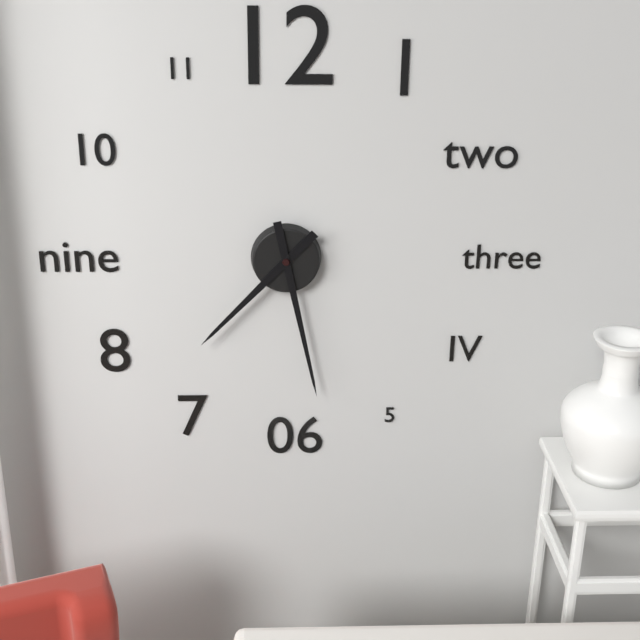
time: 7:28
